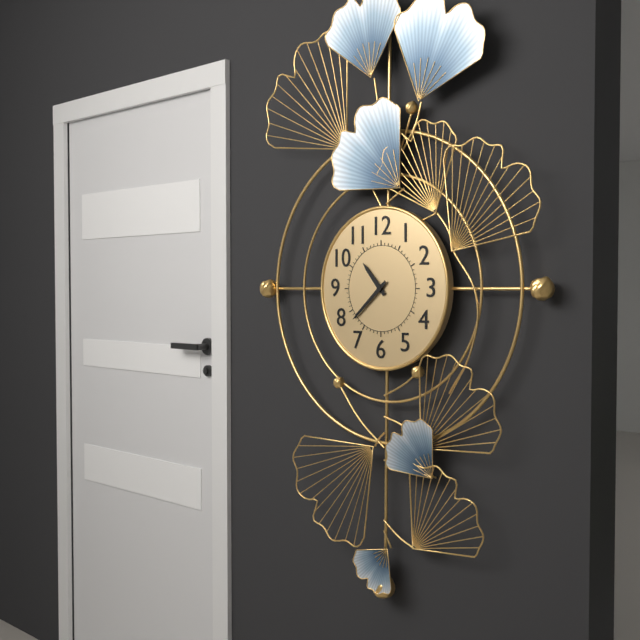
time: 10:38
